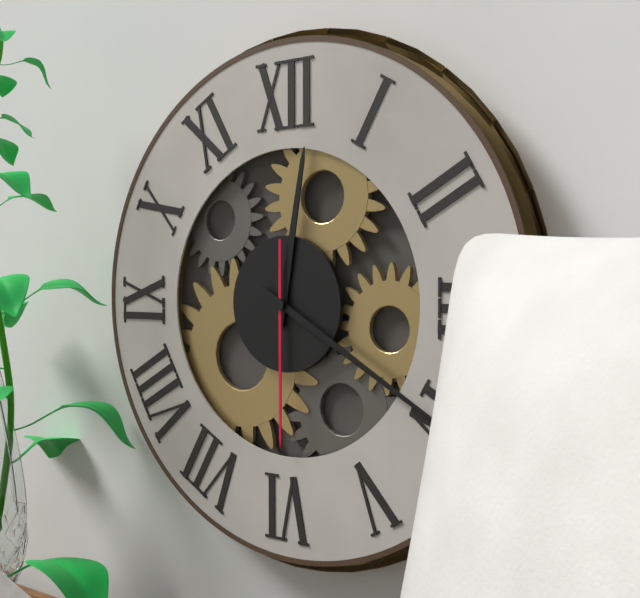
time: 12:20:30
